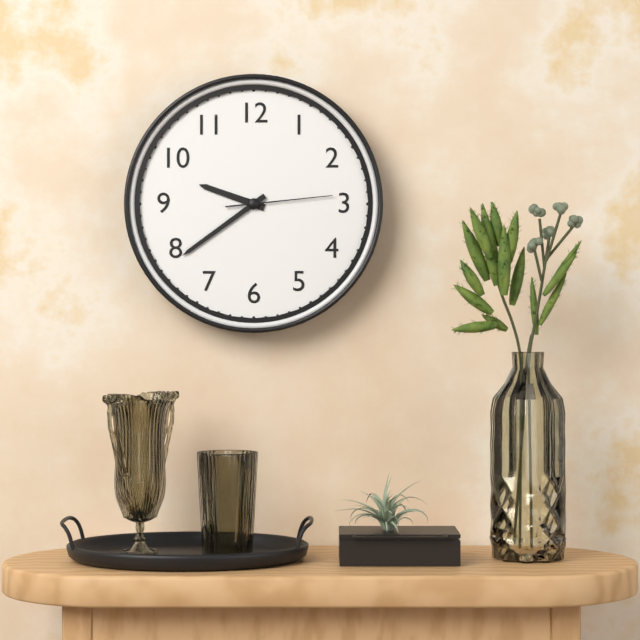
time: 9:39:14
